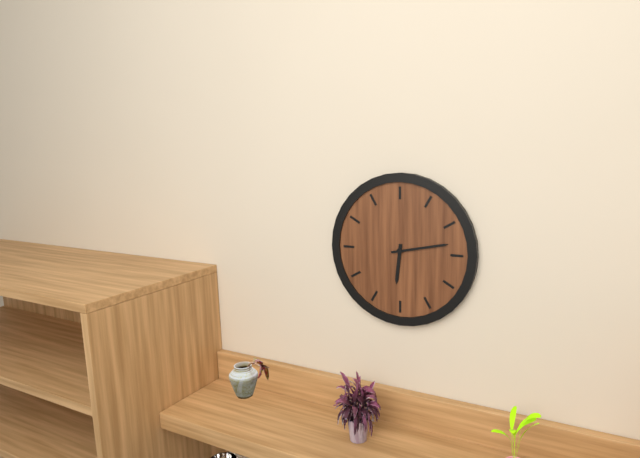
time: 6:13
